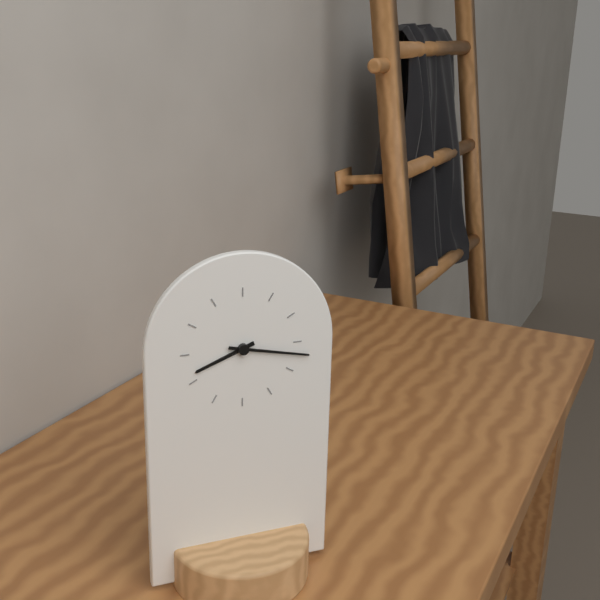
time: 8:17
